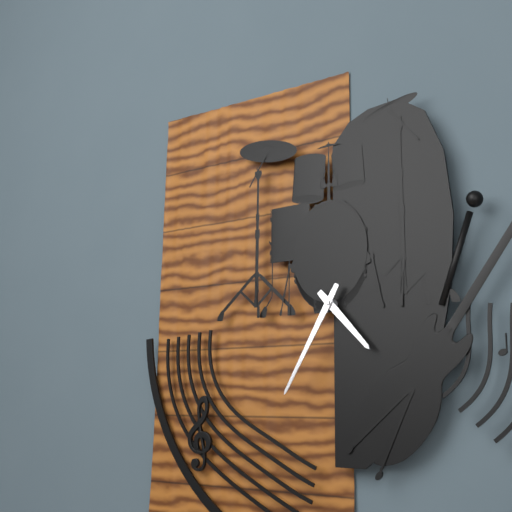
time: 4:35
